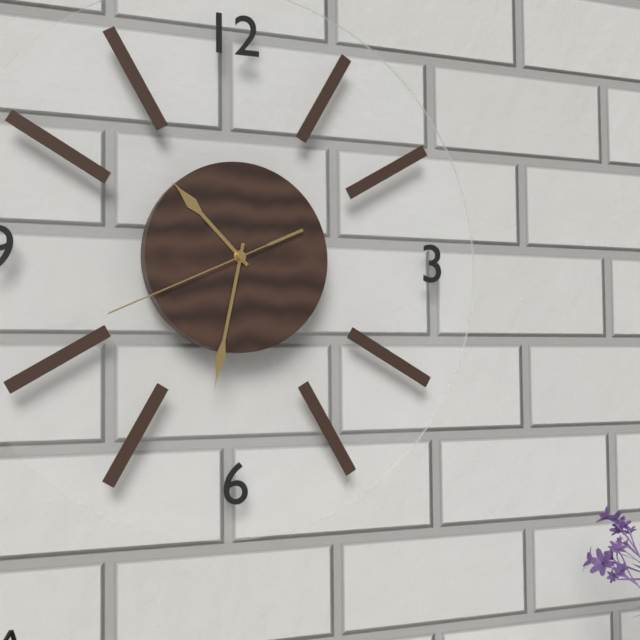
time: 10:32:41
